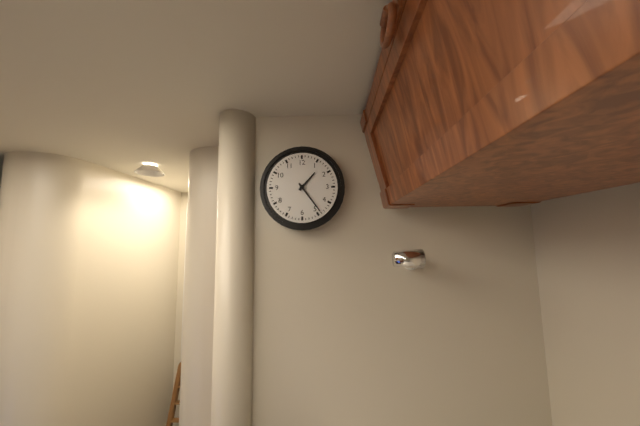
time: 1:24
